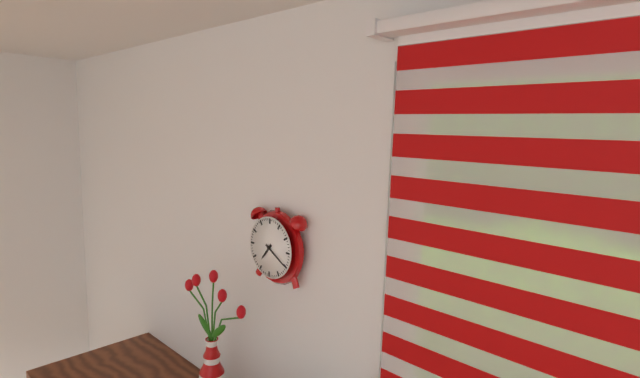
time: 7:20
